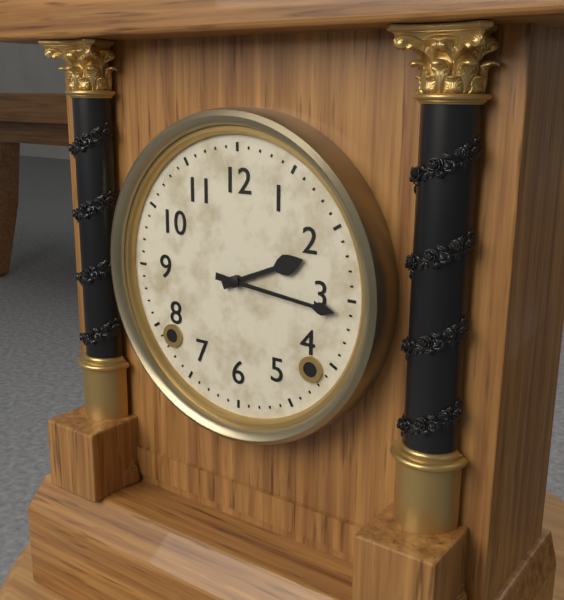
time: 2:16
